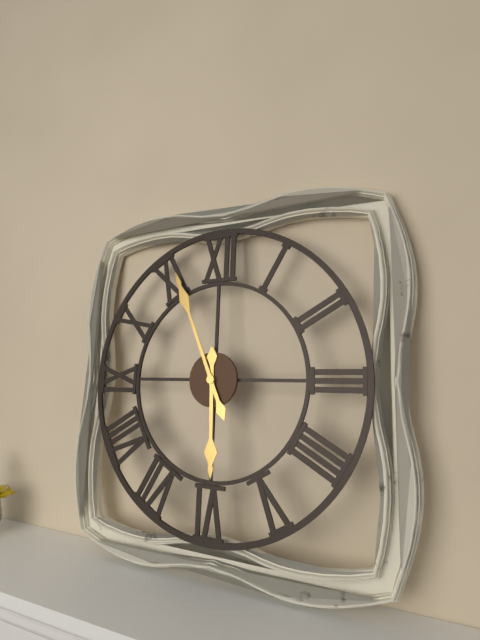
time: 5:56
